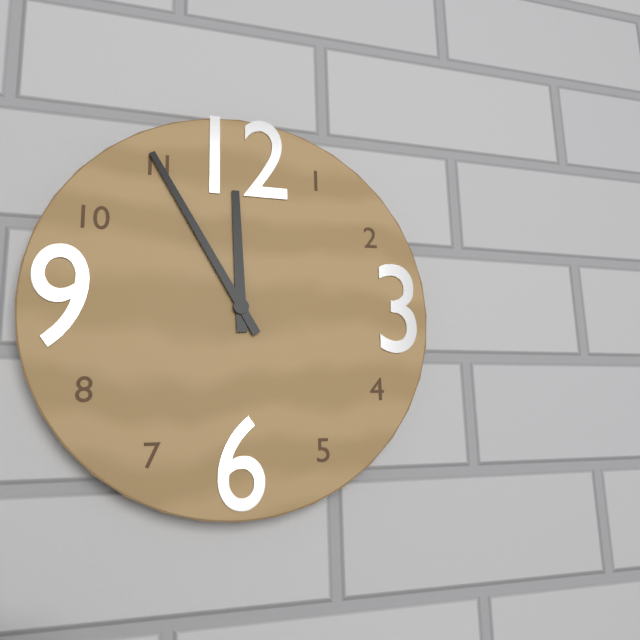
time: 11:55
